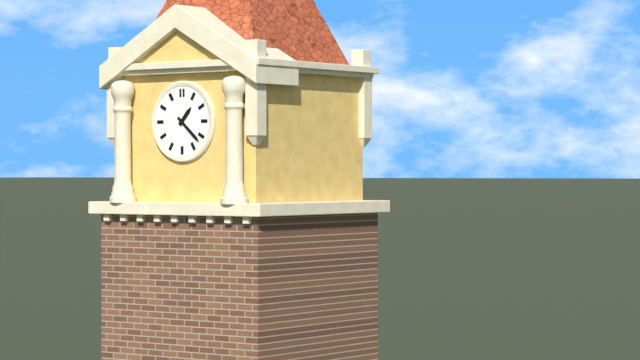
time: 1:22
